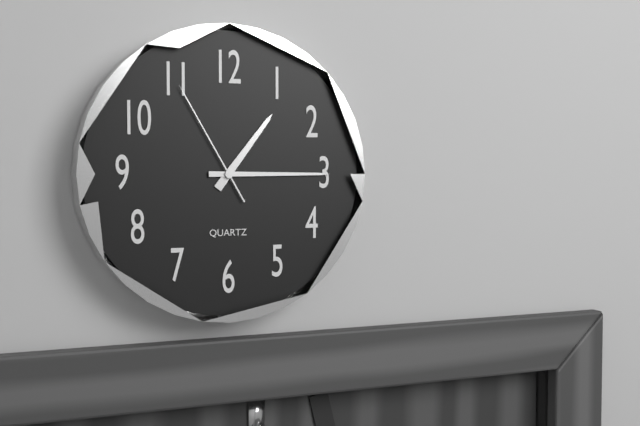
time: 1:15:55
